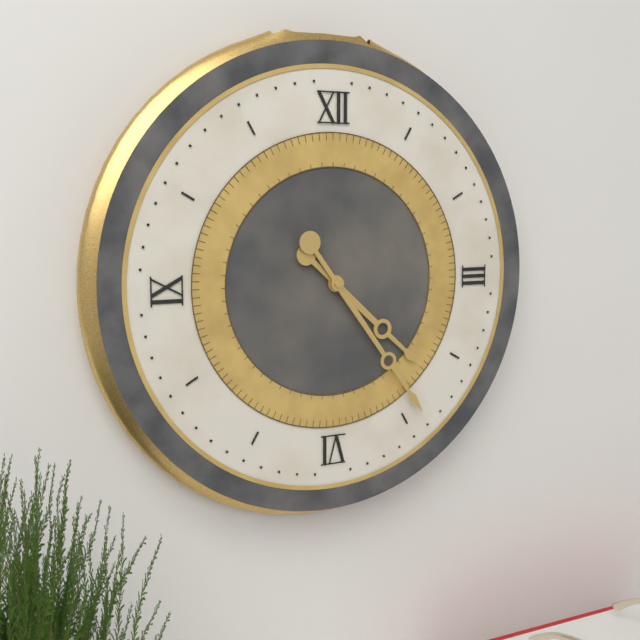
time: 4:24
